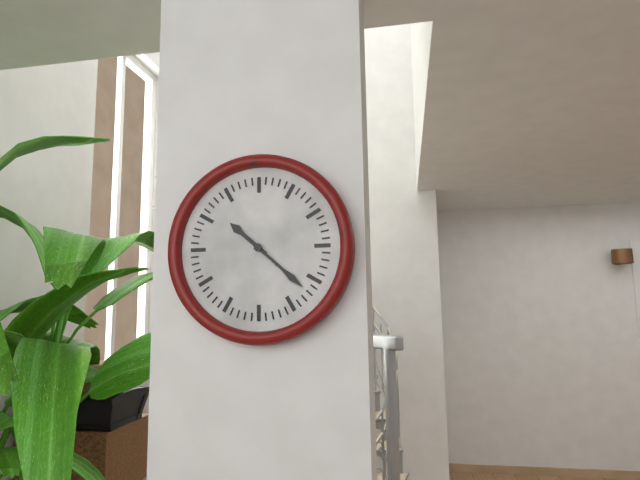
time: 10:22
